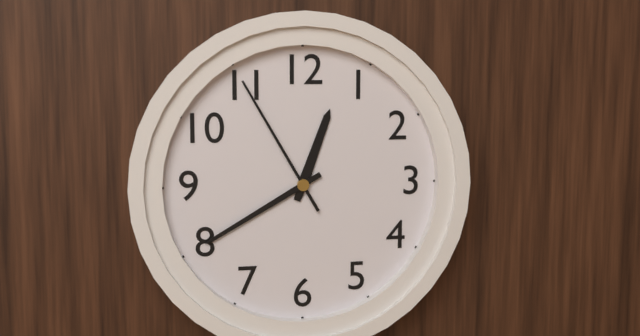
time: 12:40:55
